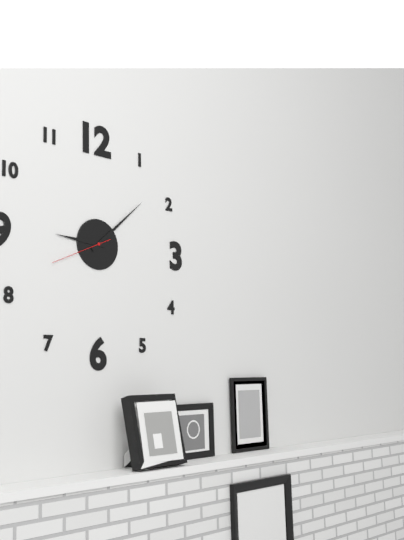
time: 9:08:41
